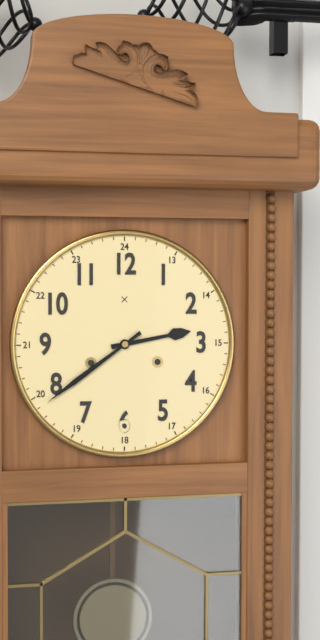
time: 2:39
